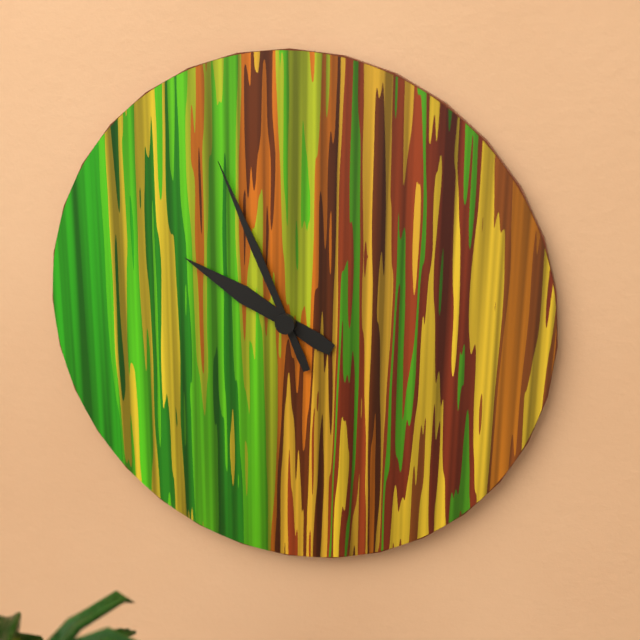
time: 9:56
